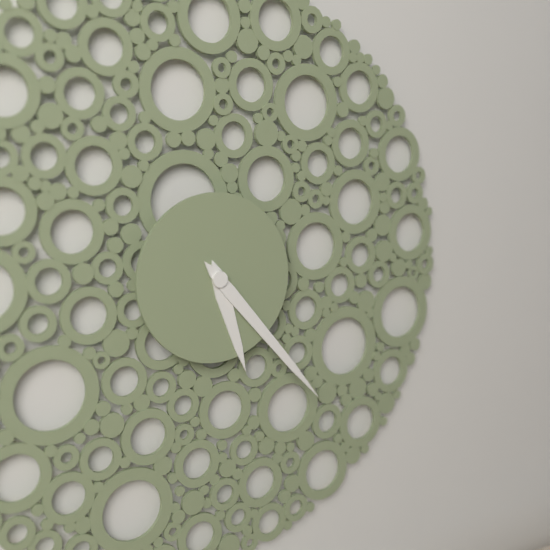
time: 5:23
